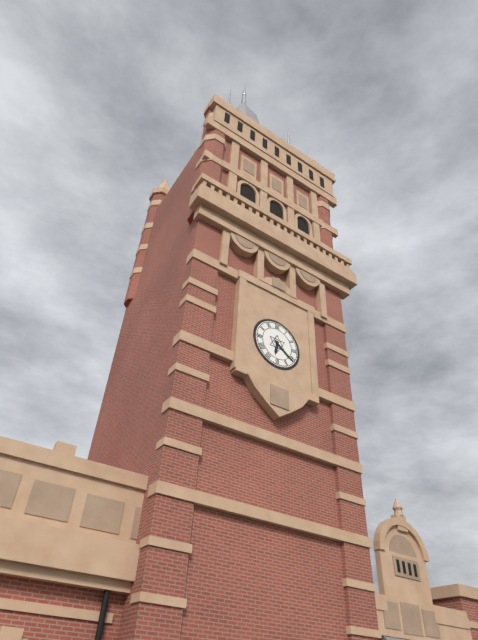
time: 6:21
